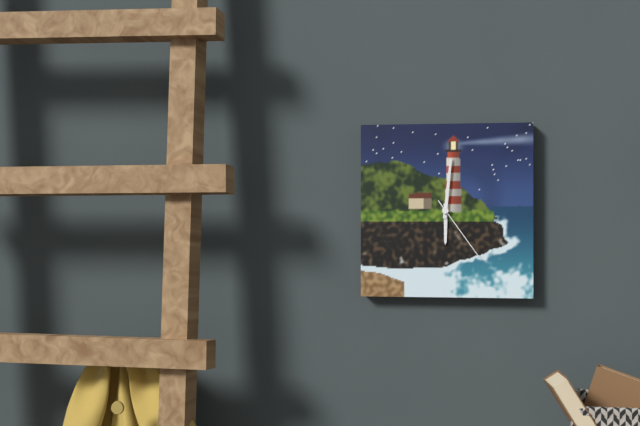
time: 6:01:24
